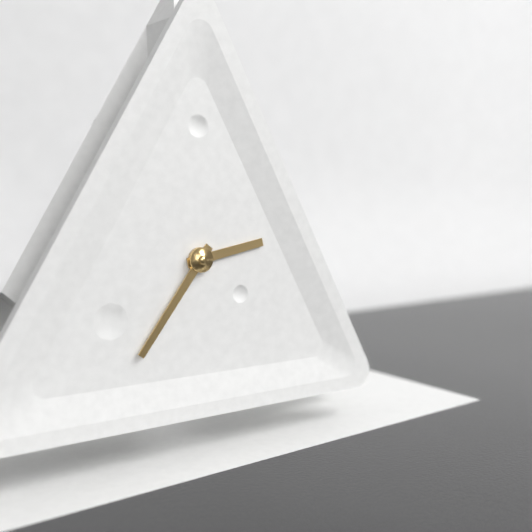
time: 2:36
